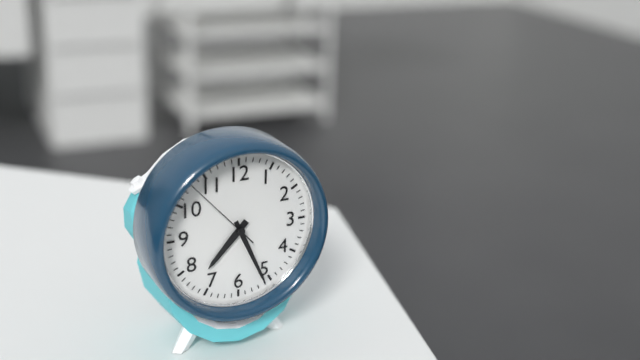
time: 7:26:53
